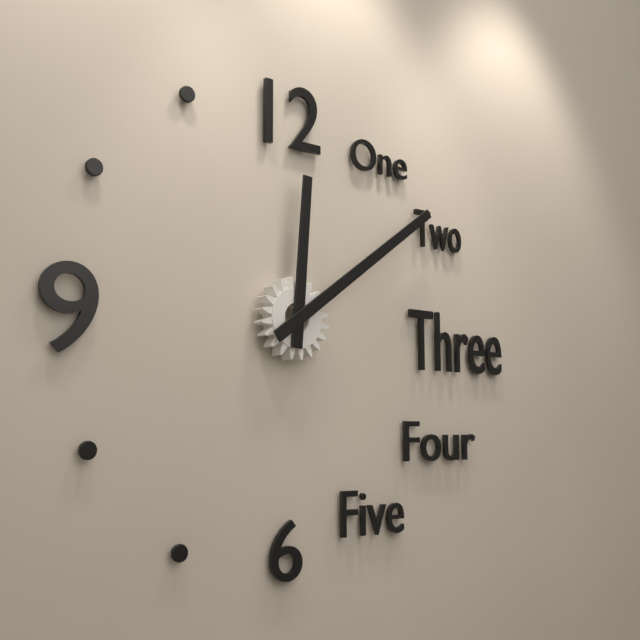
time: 12:09
